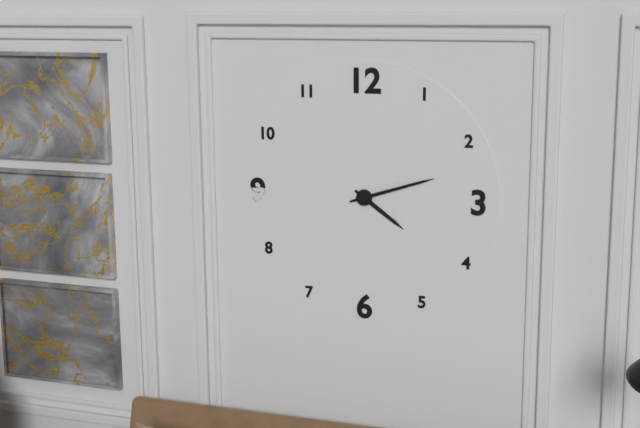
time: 4:12
